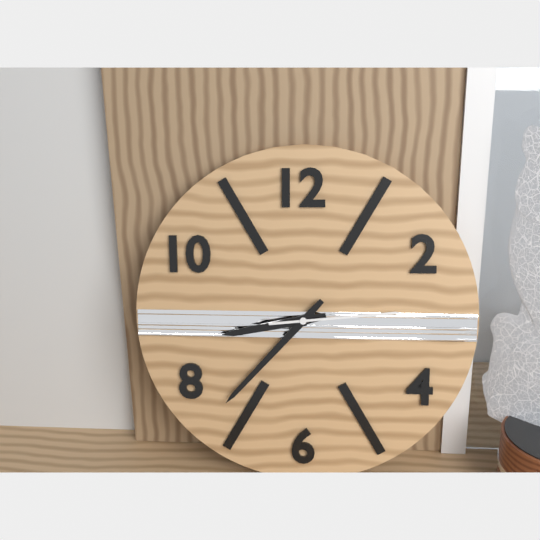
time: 8:37:14
